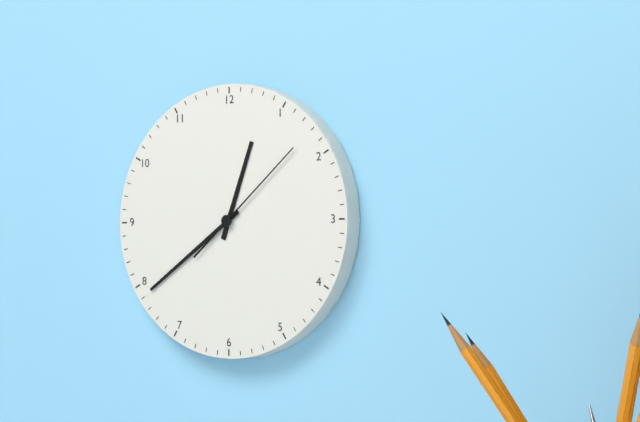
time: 12:39:08
